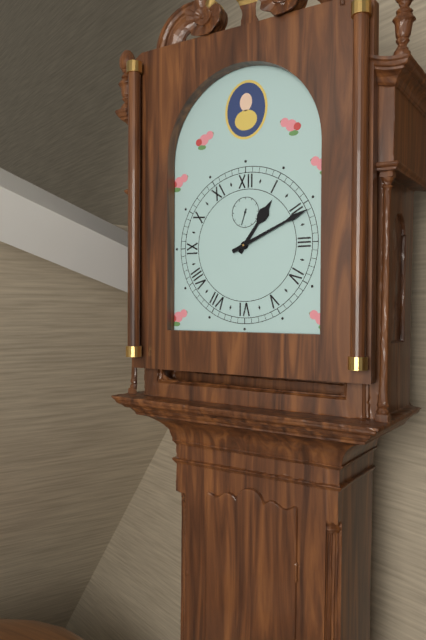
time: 1:11
